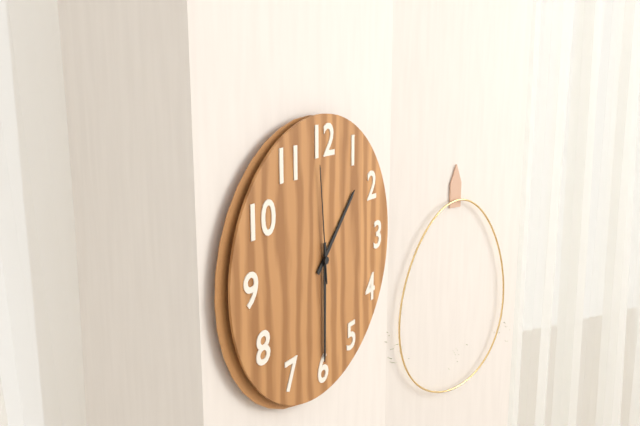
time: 1:30:59
